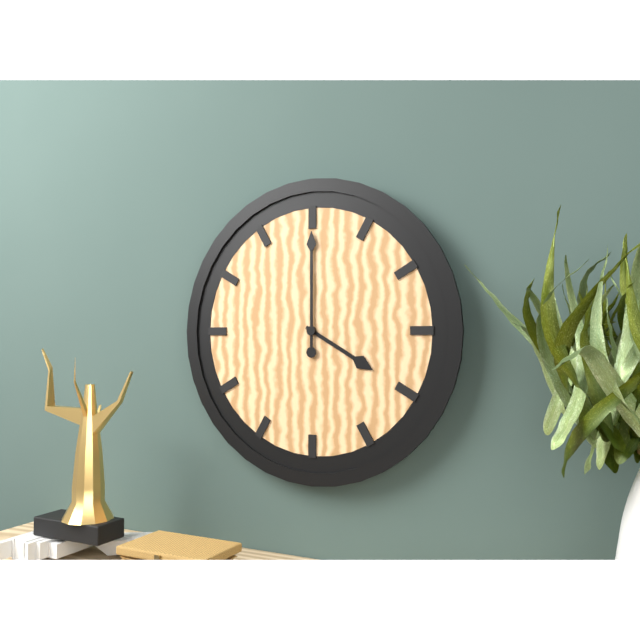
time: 4:00
